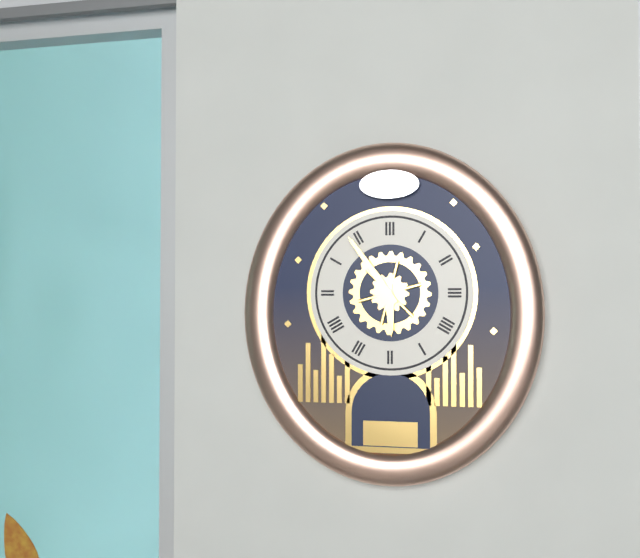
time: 5:54
